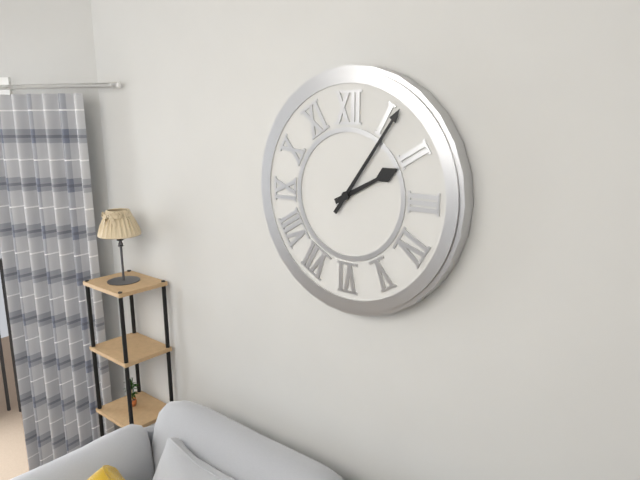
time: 2:06
